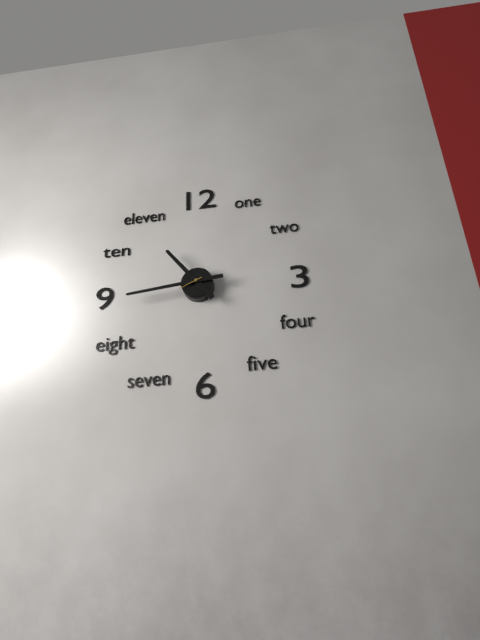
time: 10:44
